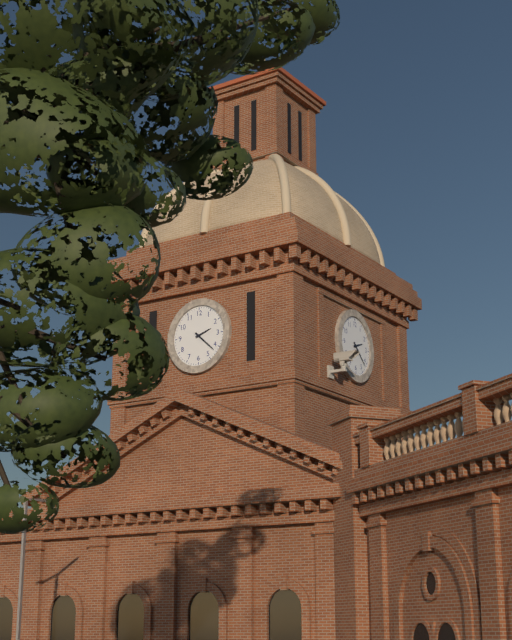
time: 2:22
